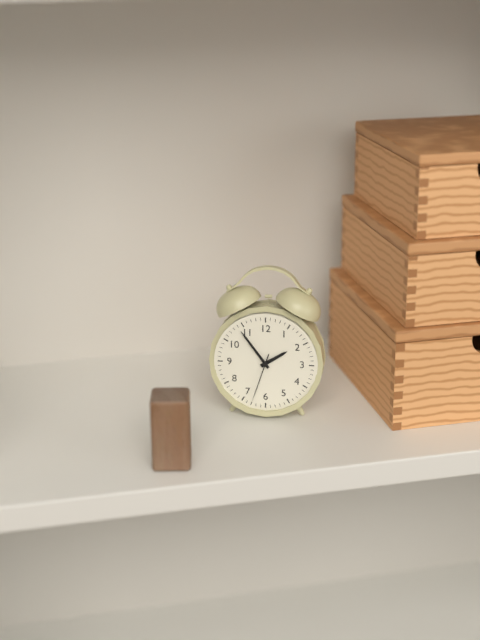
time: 1:54
